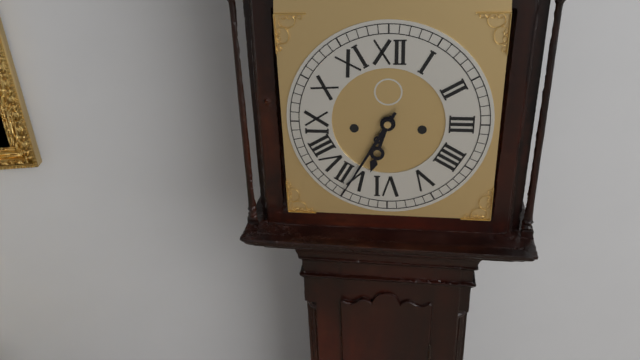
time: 6:35
